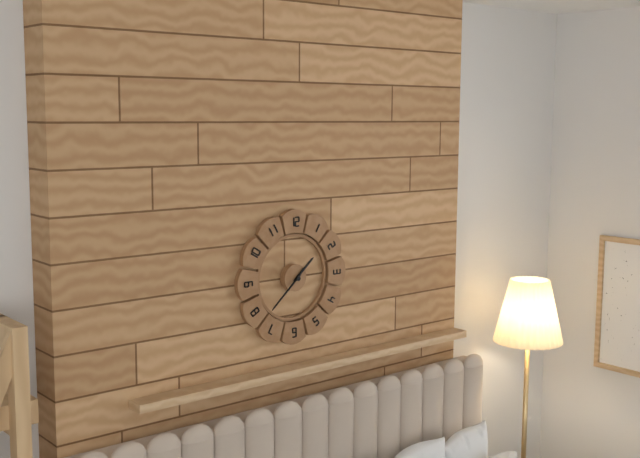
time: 1:38
